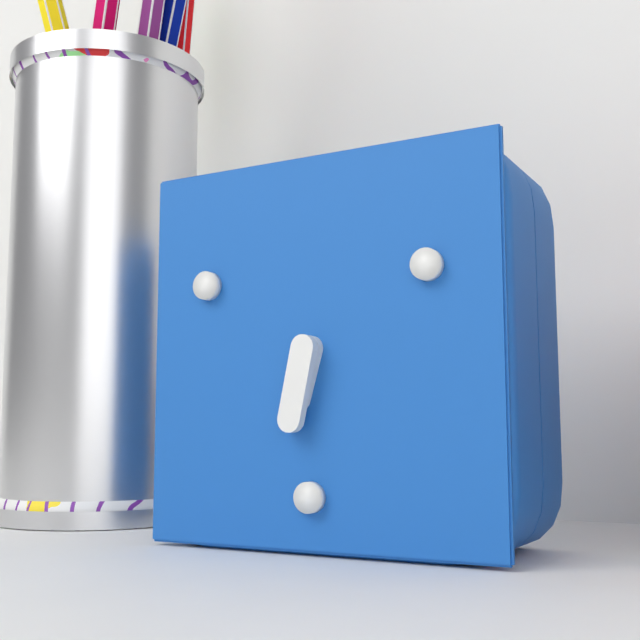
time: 6:32
